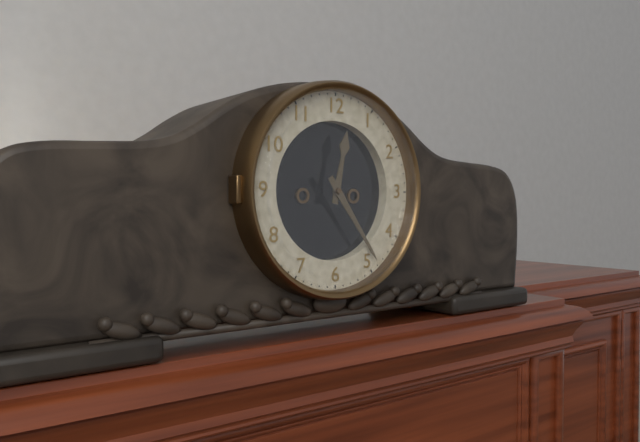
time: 12:24
